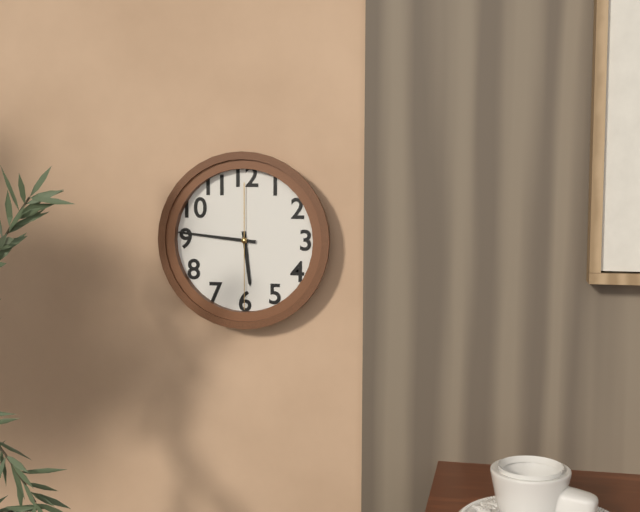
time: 5:46:30
